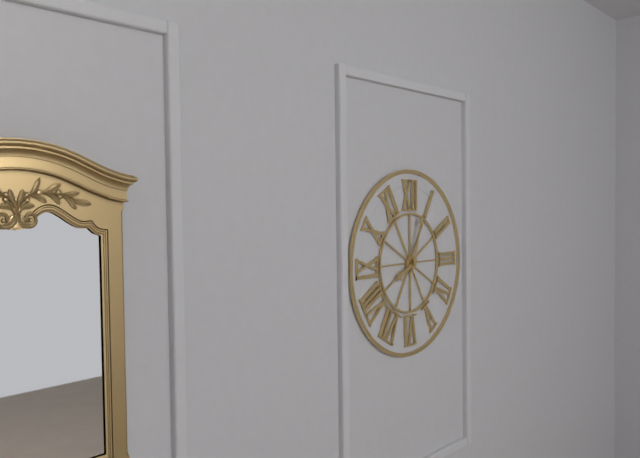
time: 8:03
